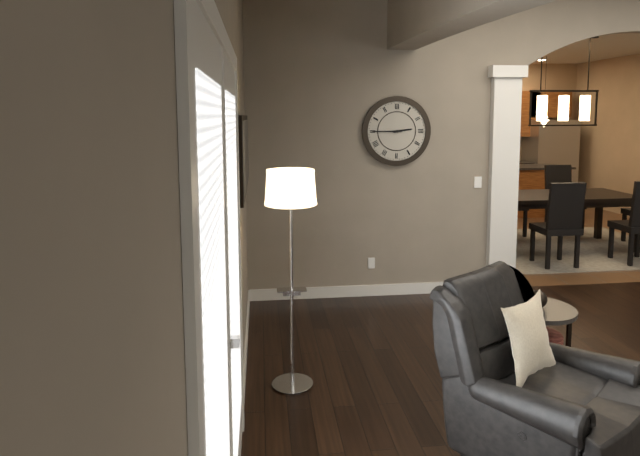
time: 2:45
